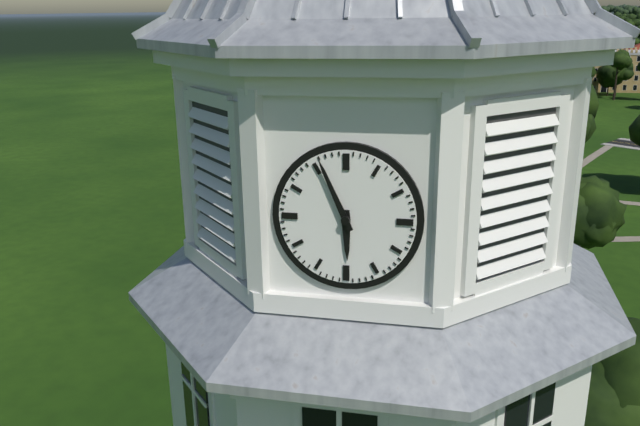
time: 5:56
